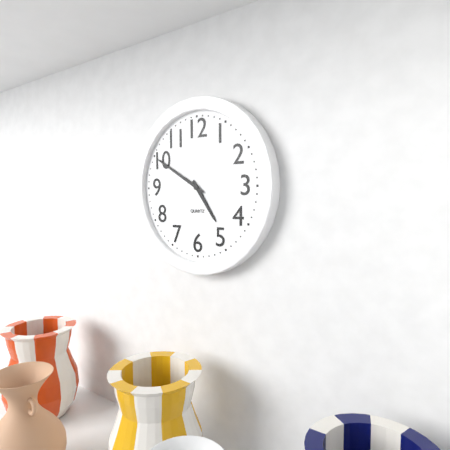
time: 4:50
